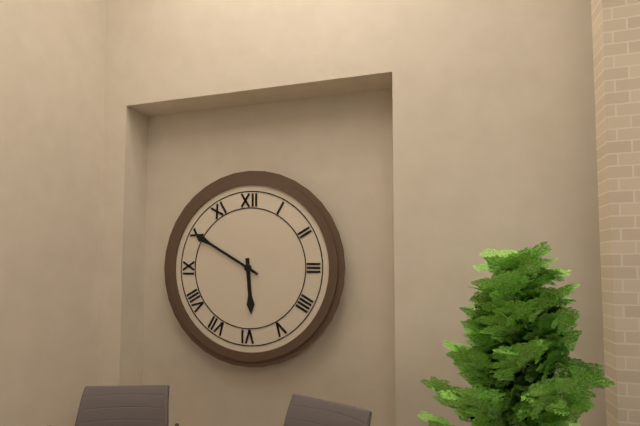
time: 5:50
